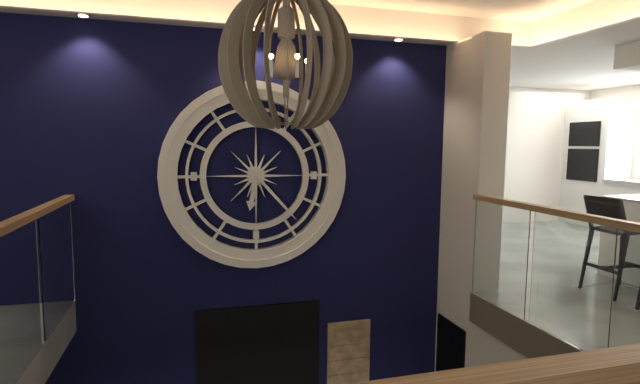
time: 6:23
